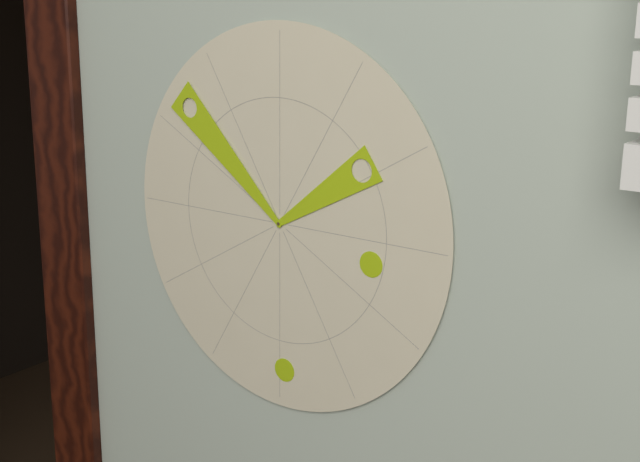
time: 1:52
